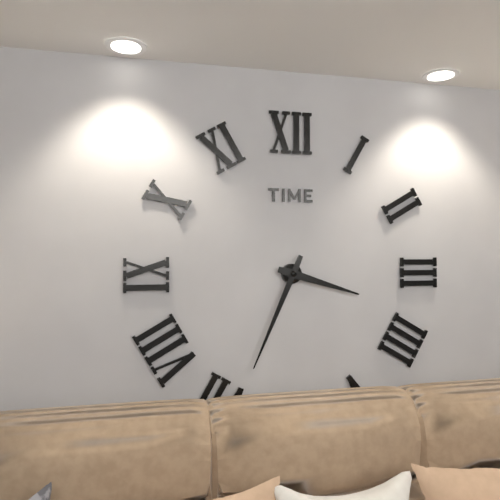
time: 3:34
